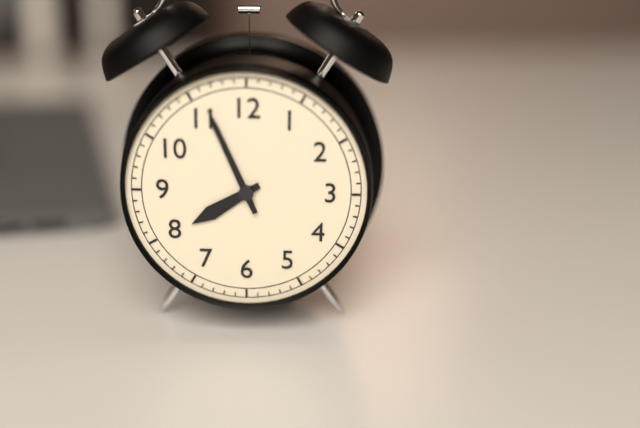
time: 7:56
